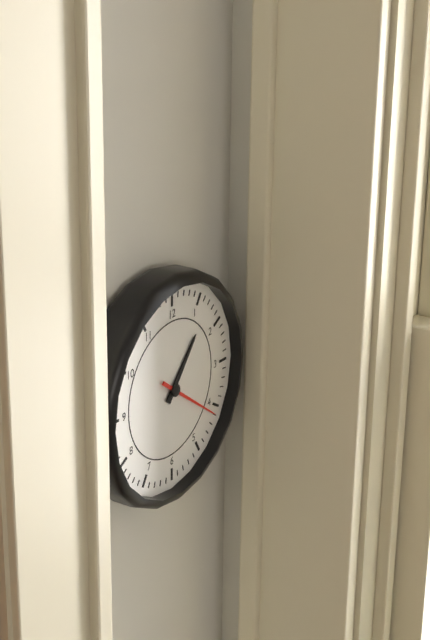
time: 1:21
